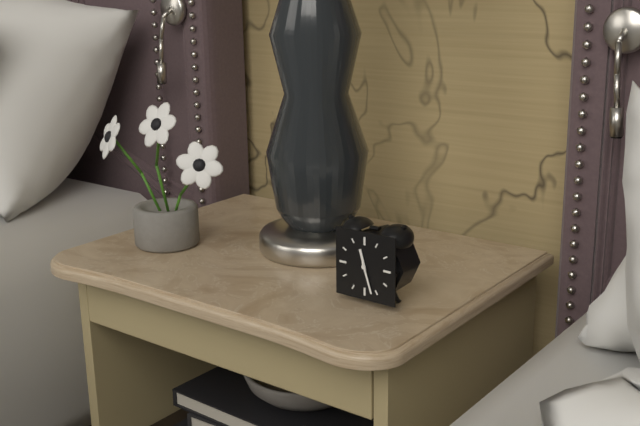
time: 11:27
